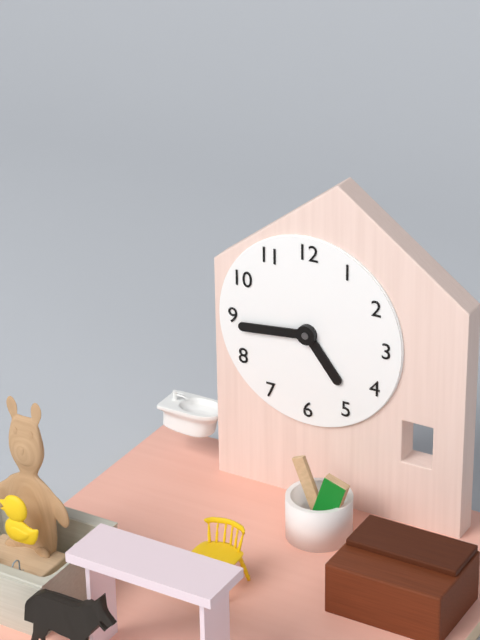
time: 4:44
